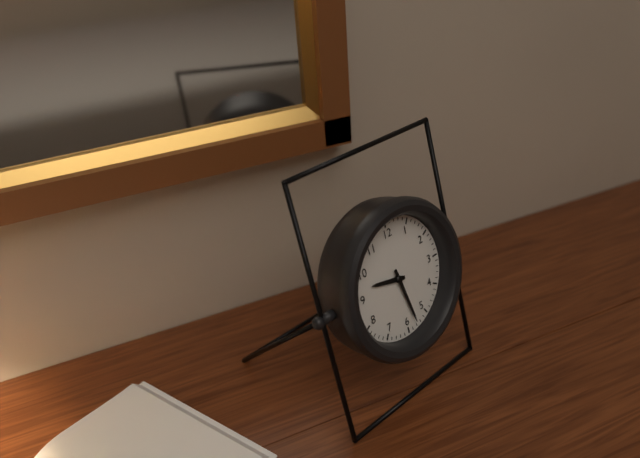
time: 9:28
